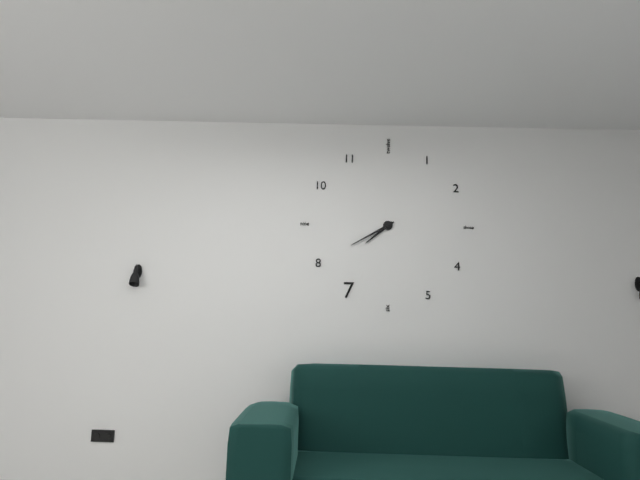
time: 7:40
